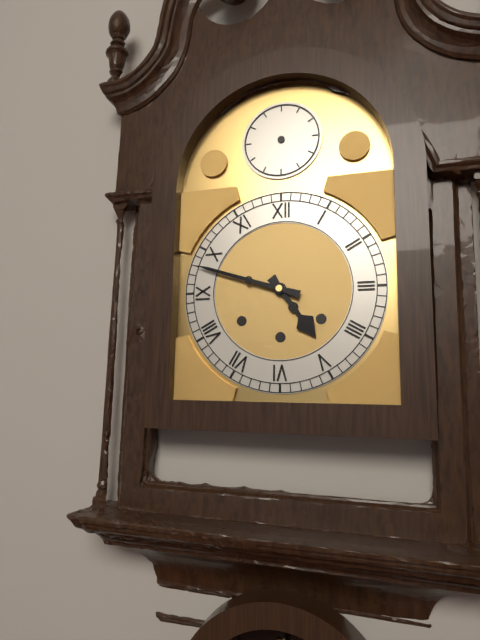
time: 4:48
